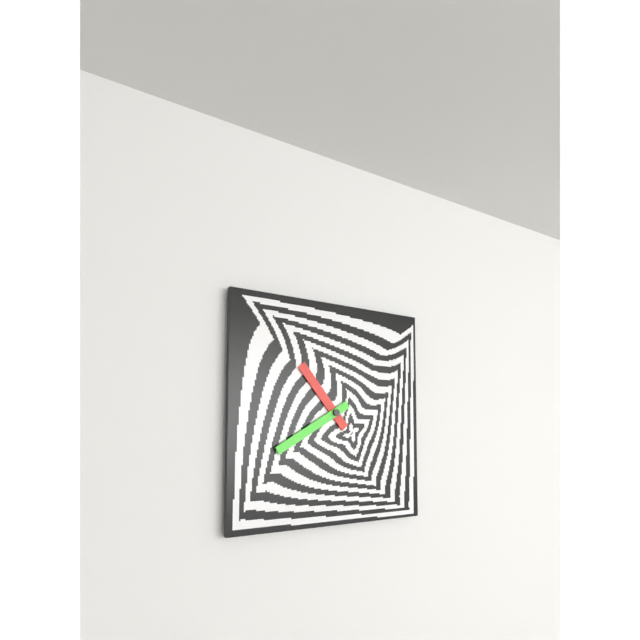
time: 10:40
